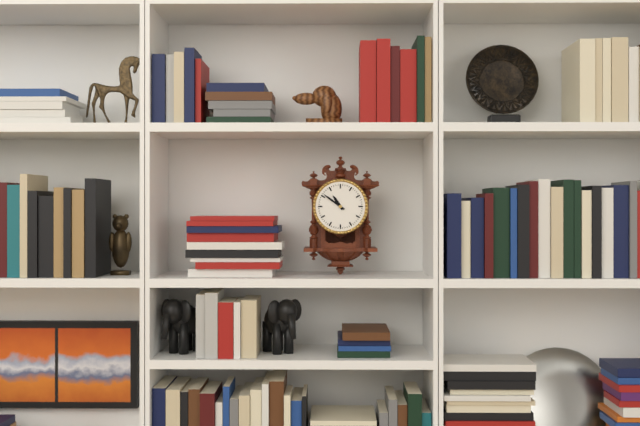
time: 10:51
